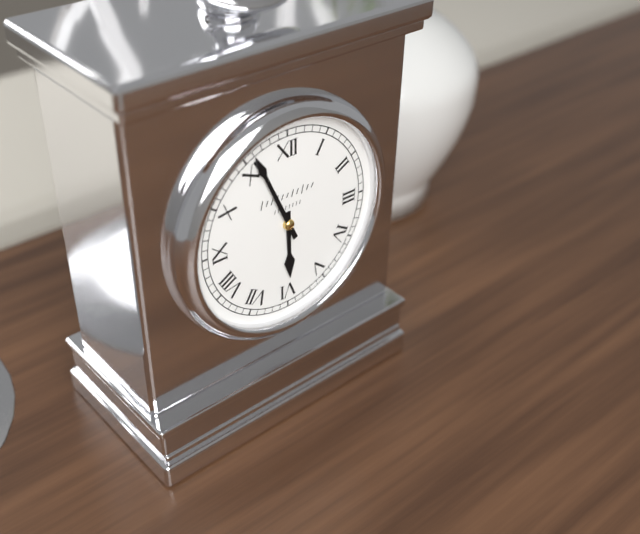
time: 5:56
